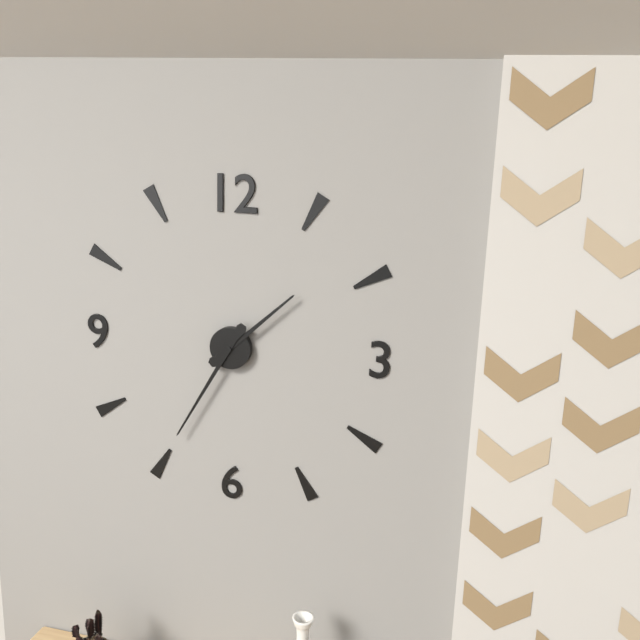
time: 1:35
